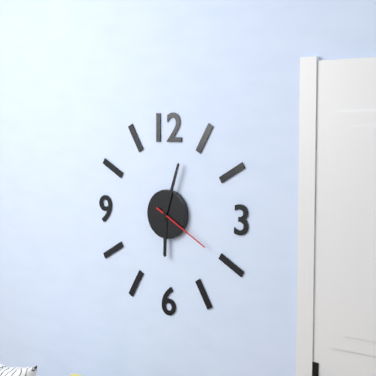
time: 6:03:20
